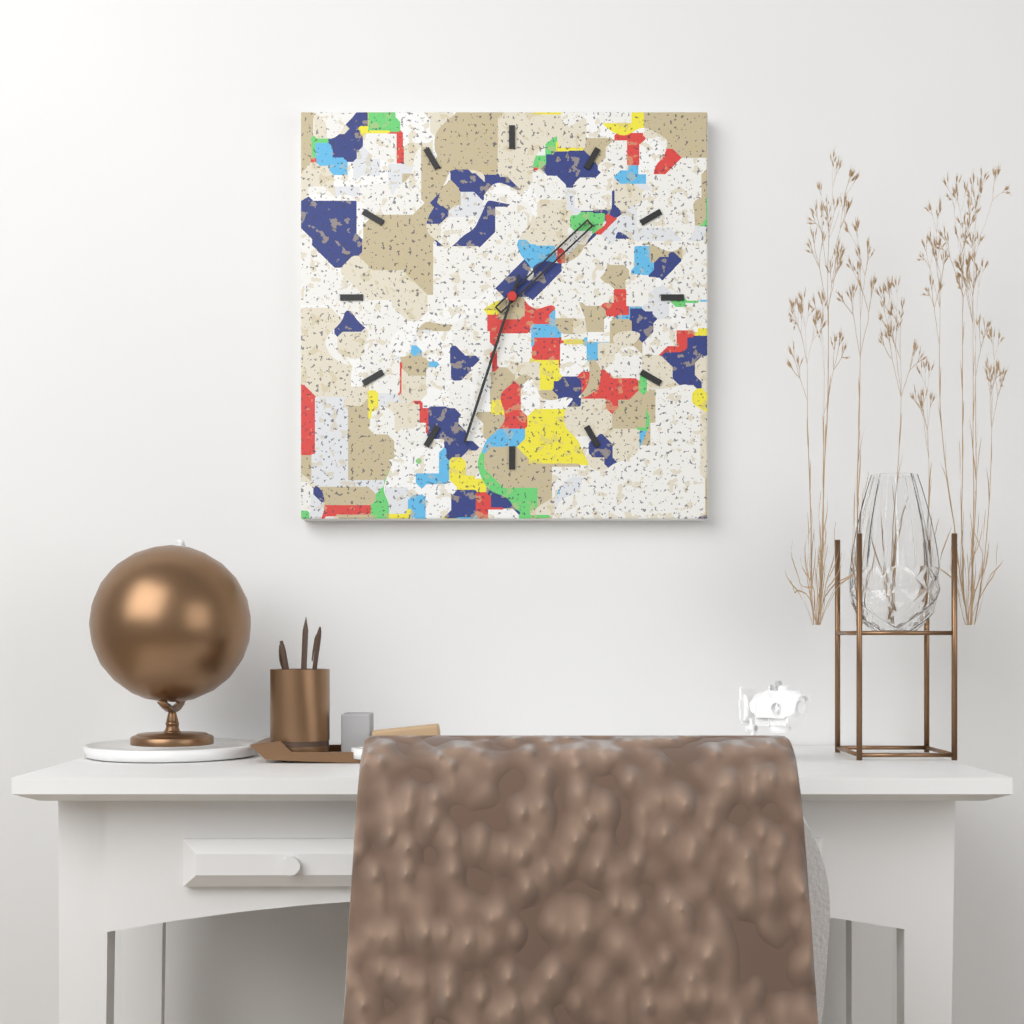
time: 1:33
